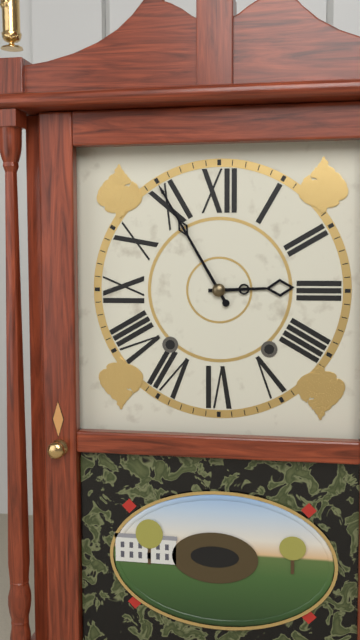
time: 2:55
